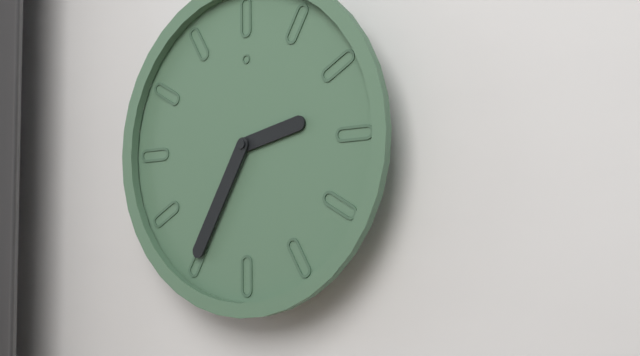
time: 2:35
